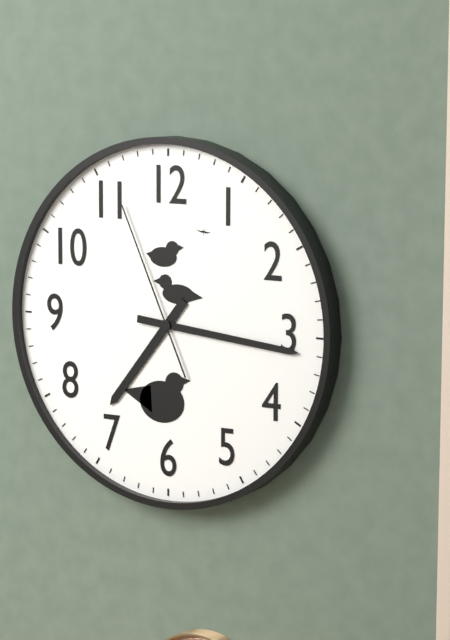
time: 7:16:56
